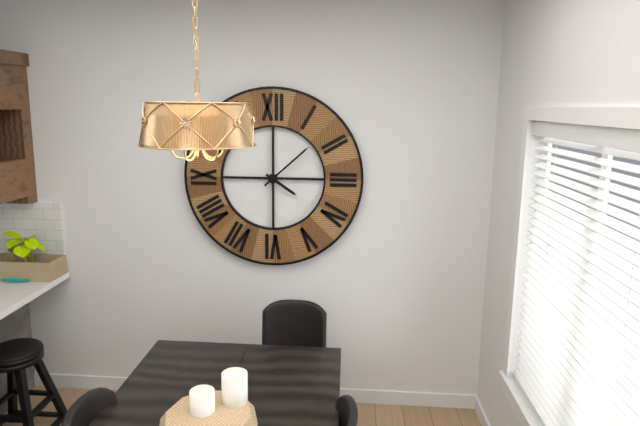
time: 4:08
